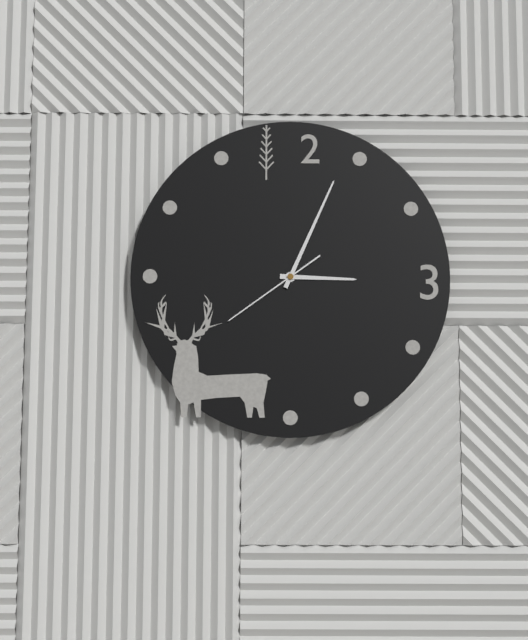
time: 3:04:39
